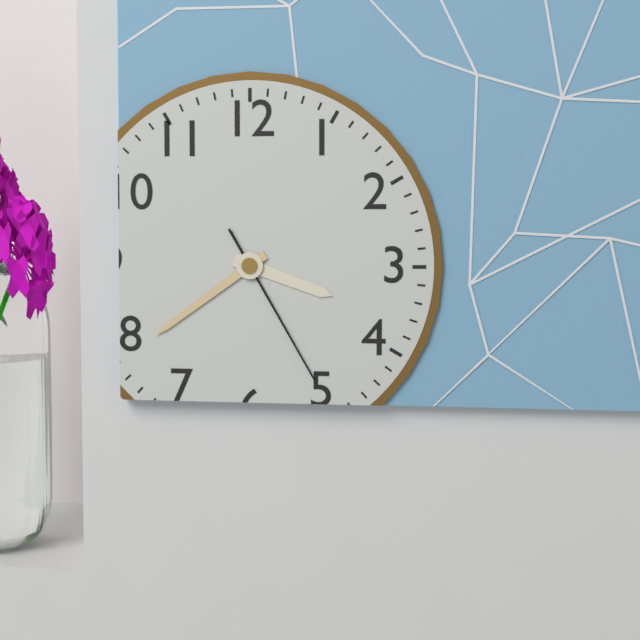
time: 3:39:25
